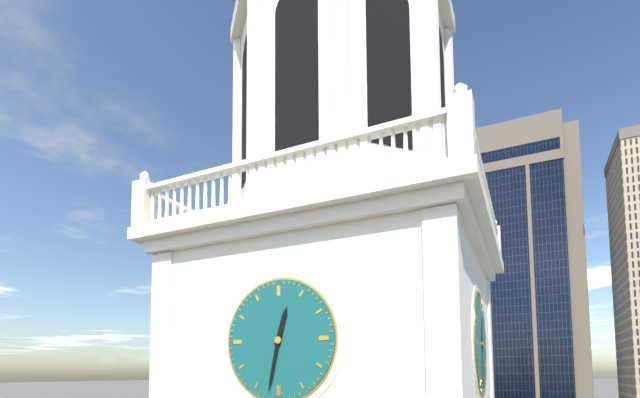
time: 12:32
